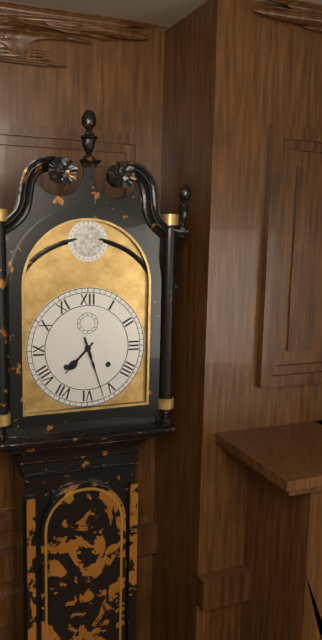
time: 7:27
